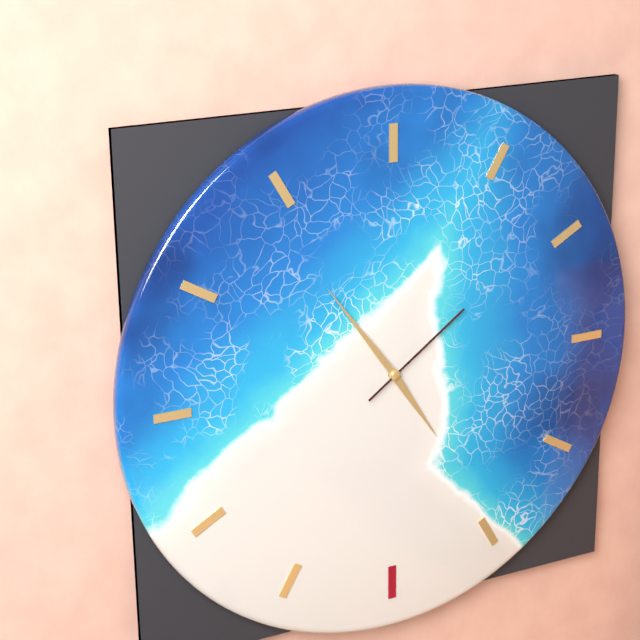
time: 4:54:09
